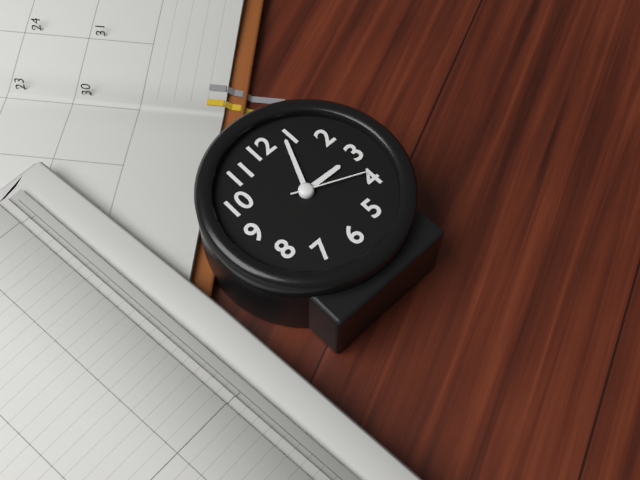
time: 3:04:19
